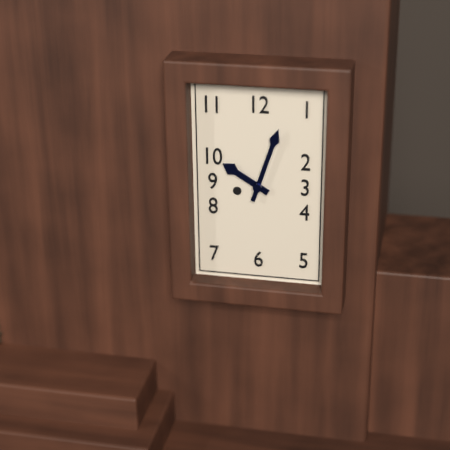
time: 10:03
